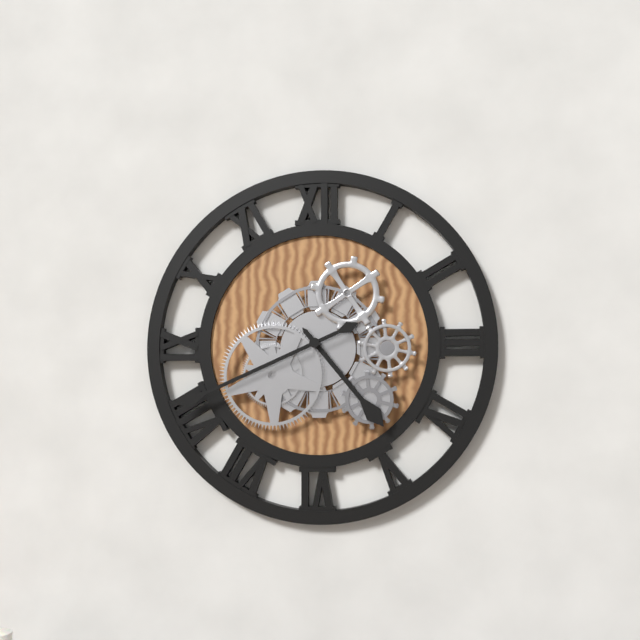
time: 4:41
